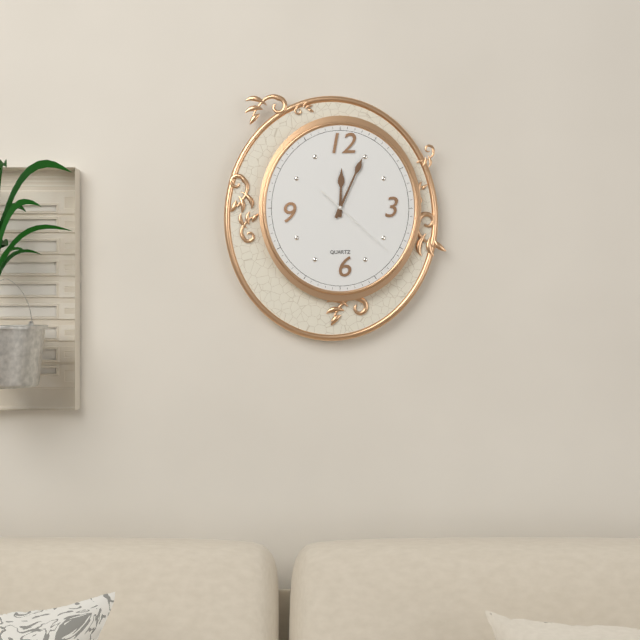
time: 12:04:22
